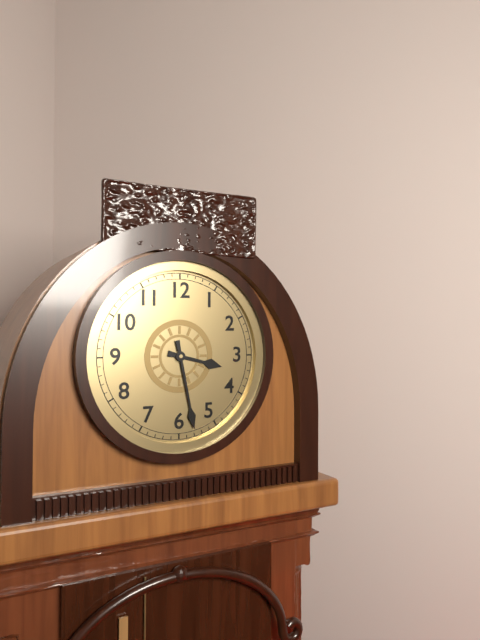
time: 3:28
